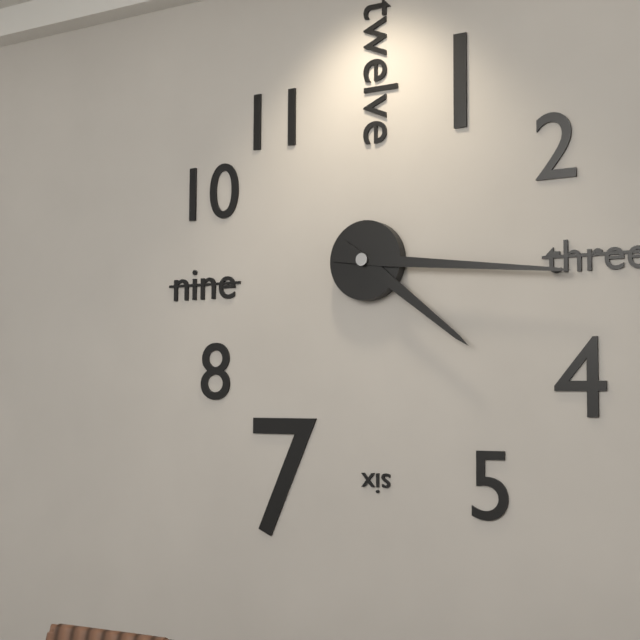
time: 4:16
